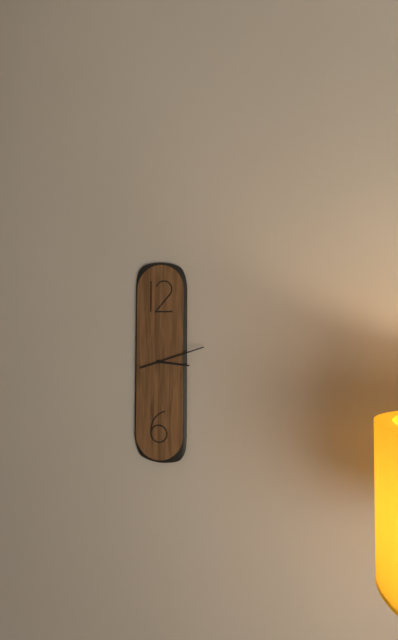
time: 3:12
